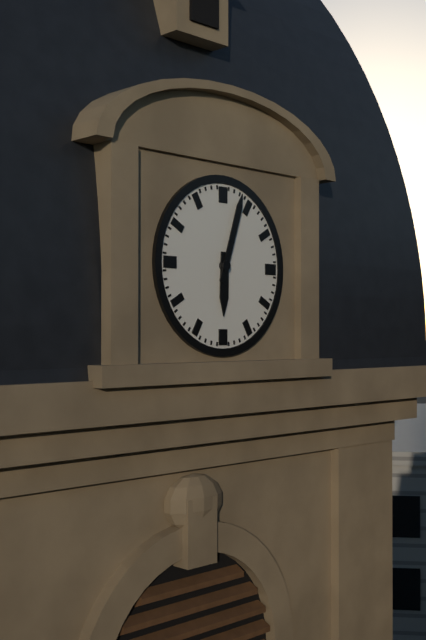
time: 6:03
